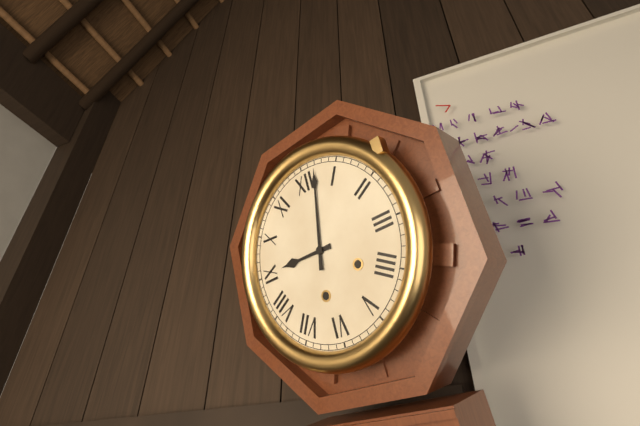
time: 9:02
